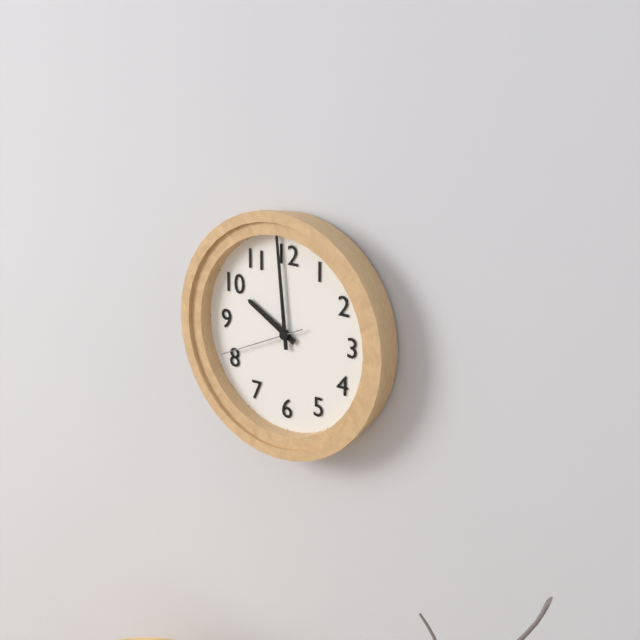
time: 9:59:41
